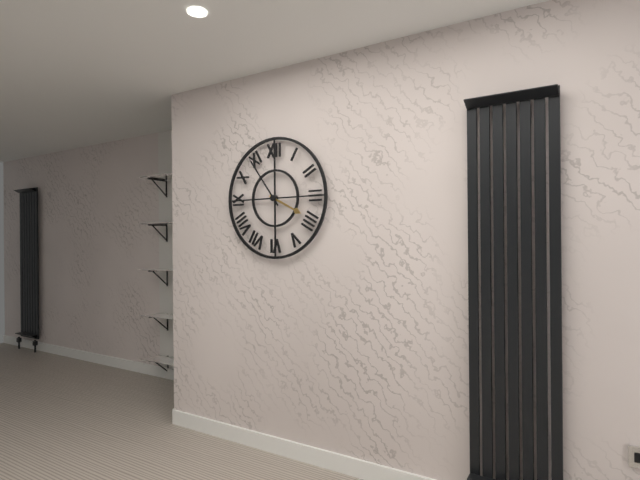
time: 3:54
